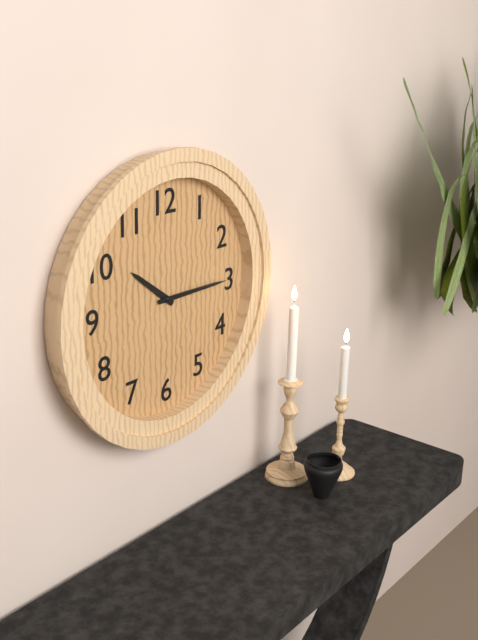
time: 10:15
